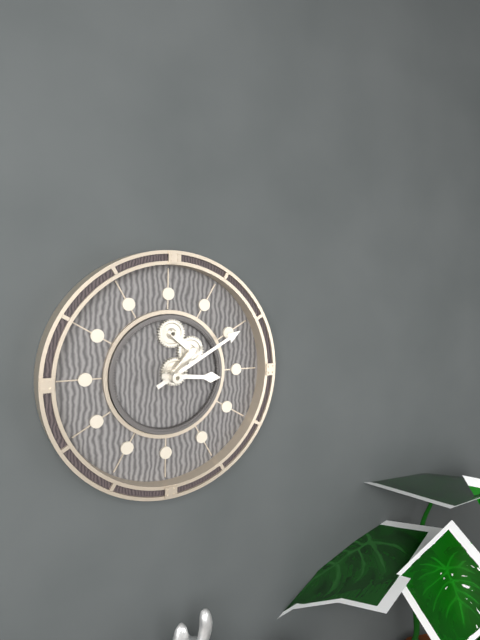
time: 3:10
